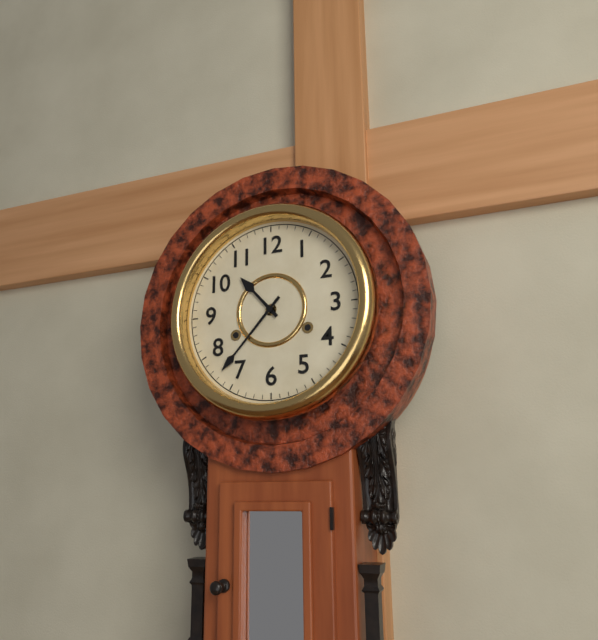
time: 10:37
